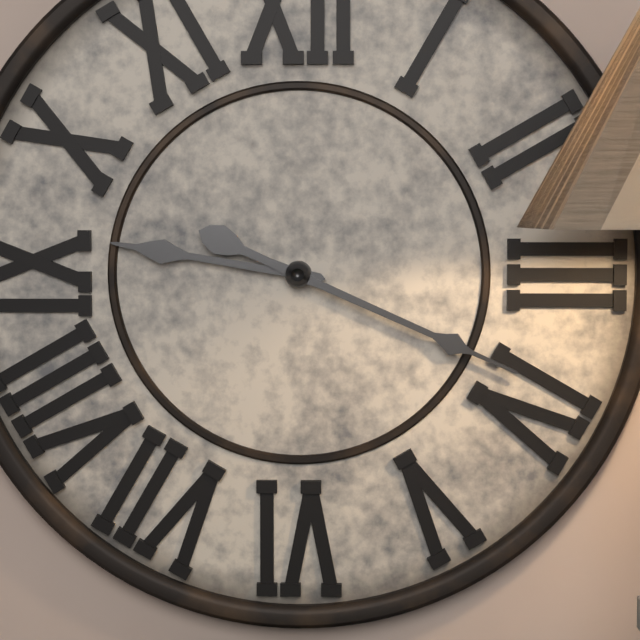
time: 9:19
